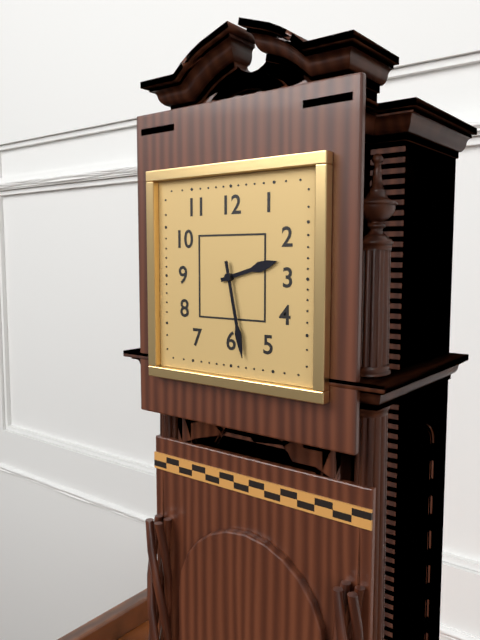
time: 2:28
